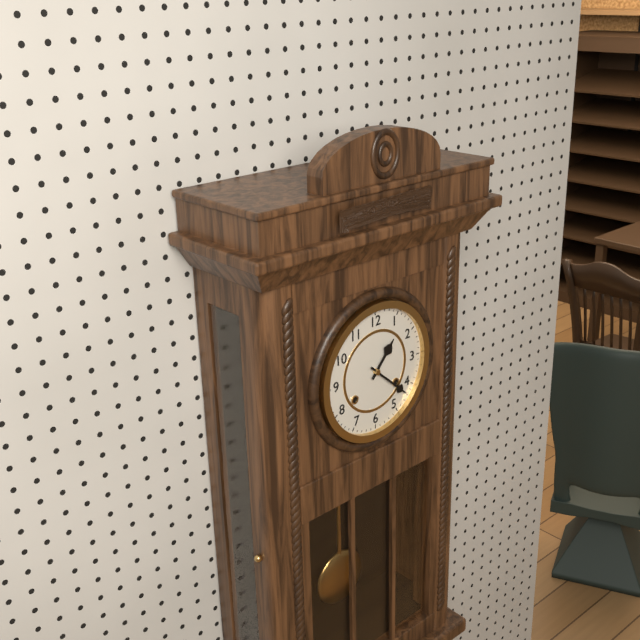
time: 1:22
